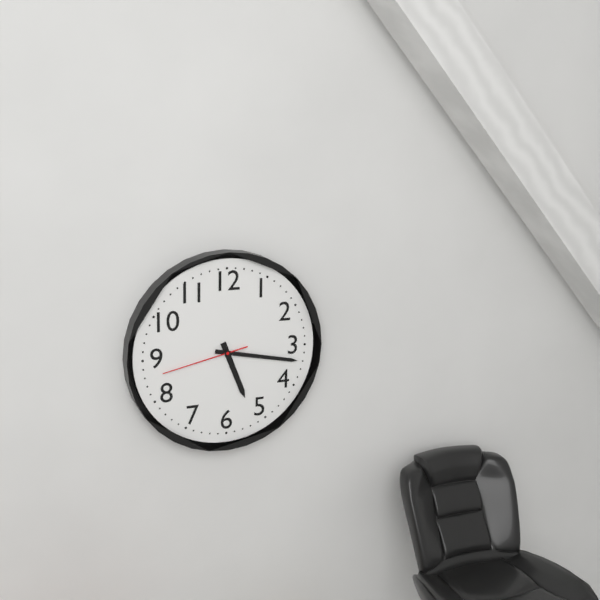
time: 5:17:43
